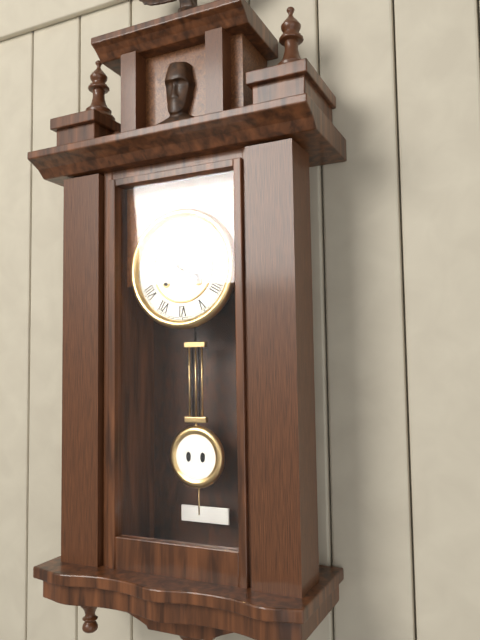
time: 3:52
